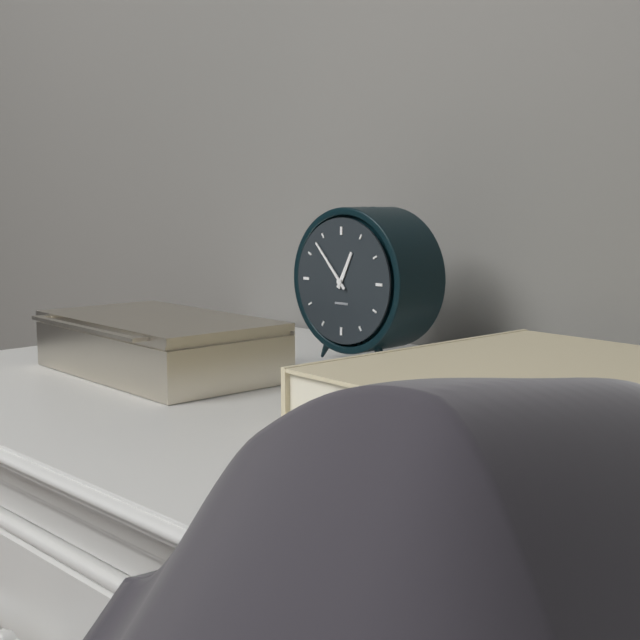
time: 12:53
